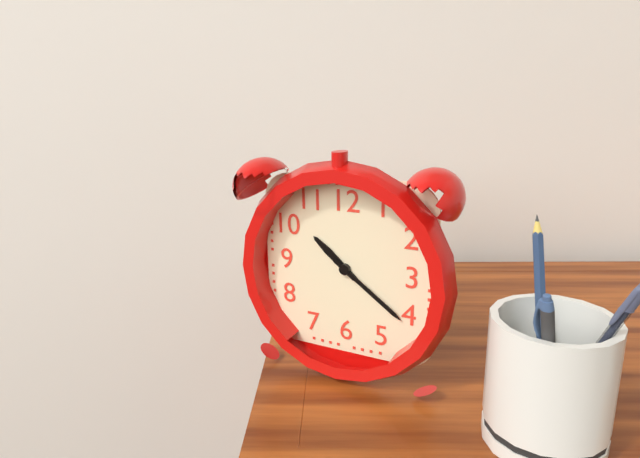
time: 10:21
